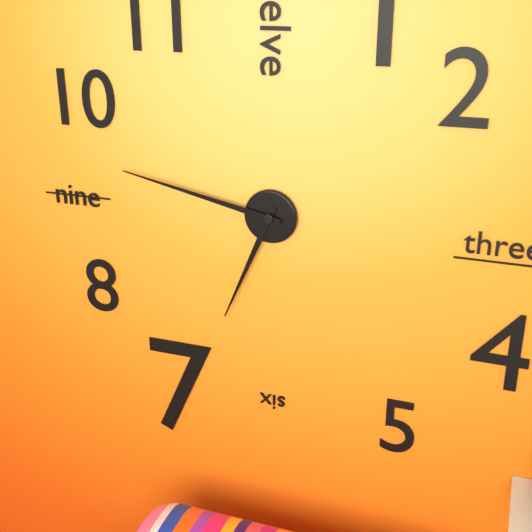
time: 6:47
